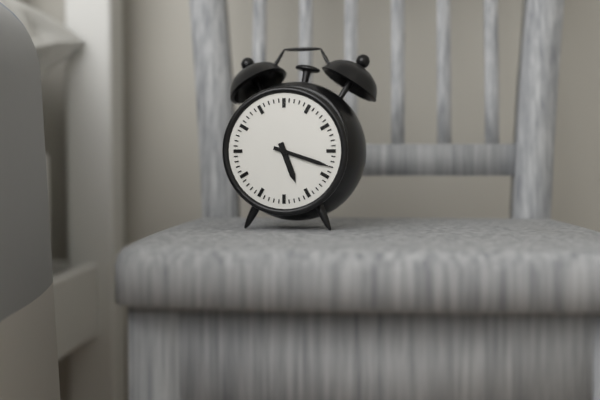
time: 5:18
